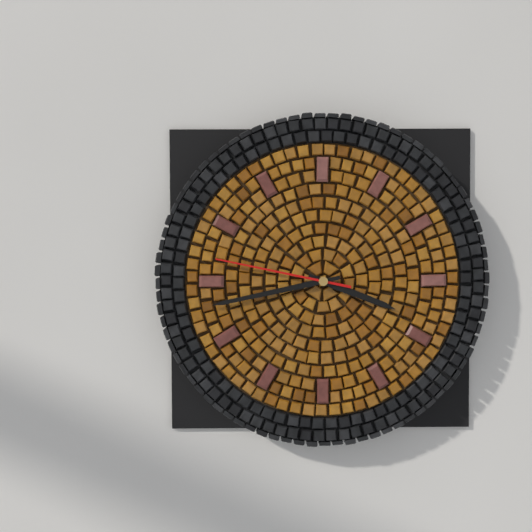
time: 3:43:47
